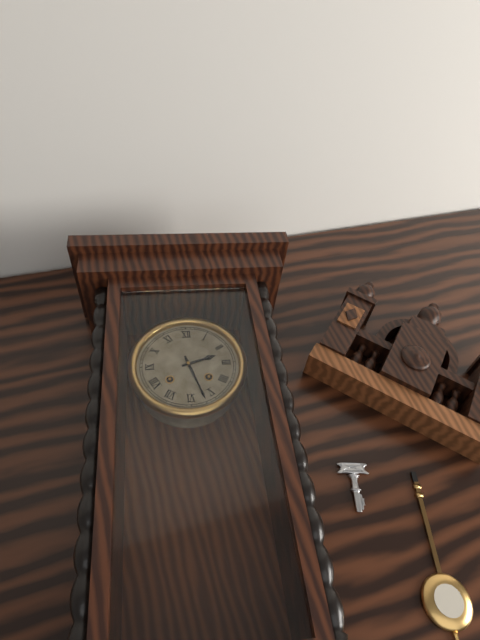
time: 2:27
